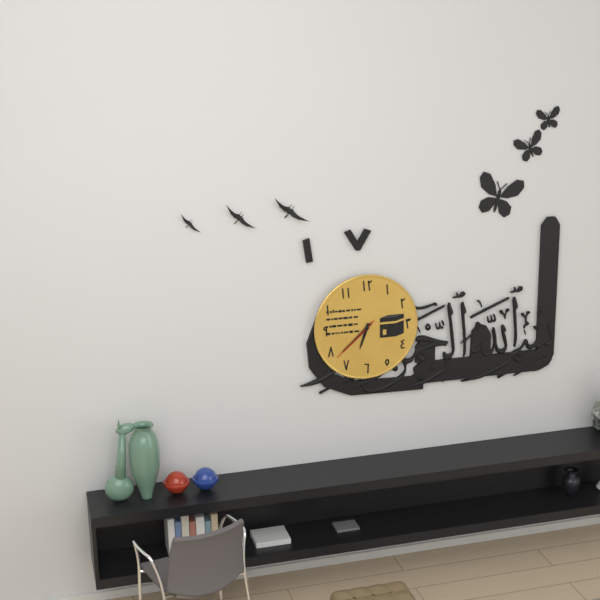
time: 6:38:38
